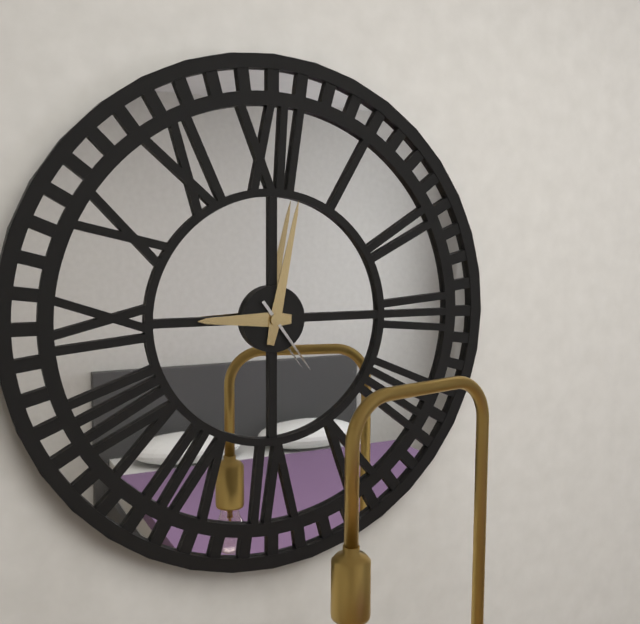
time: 9:02:24
